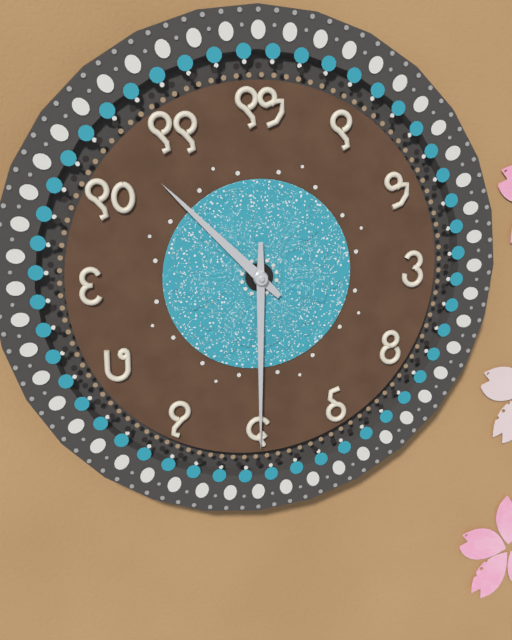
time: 10:30
